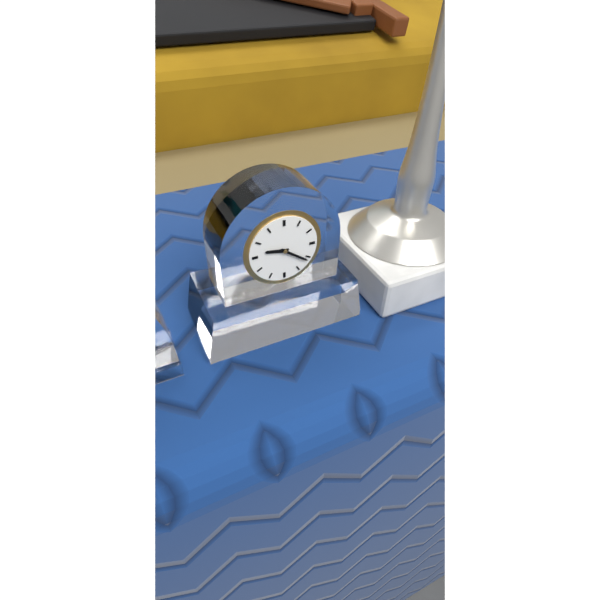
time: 9:21
